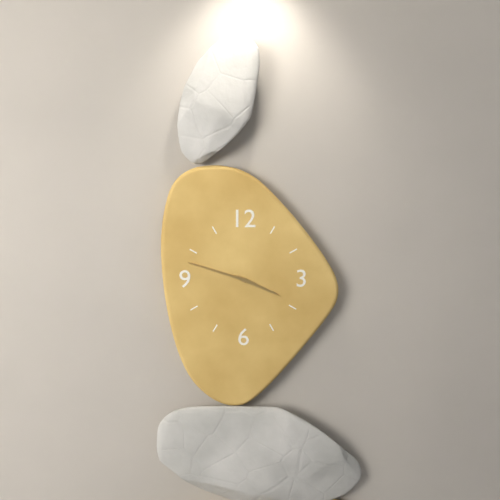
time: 3:48
